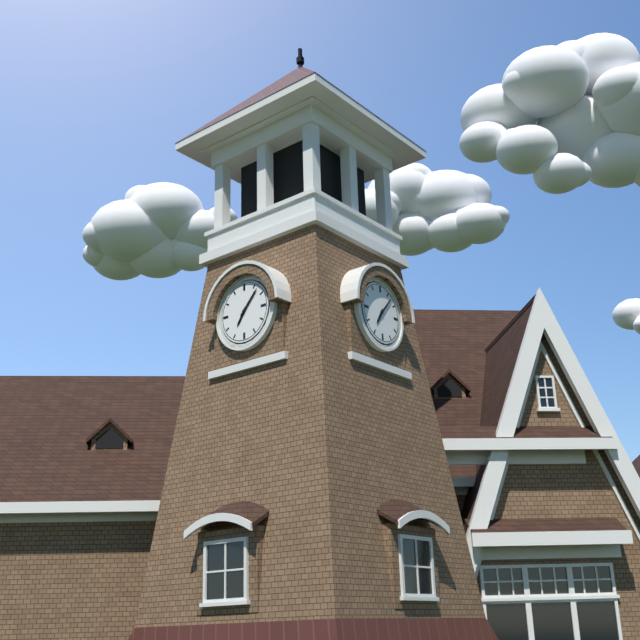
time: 7:07
